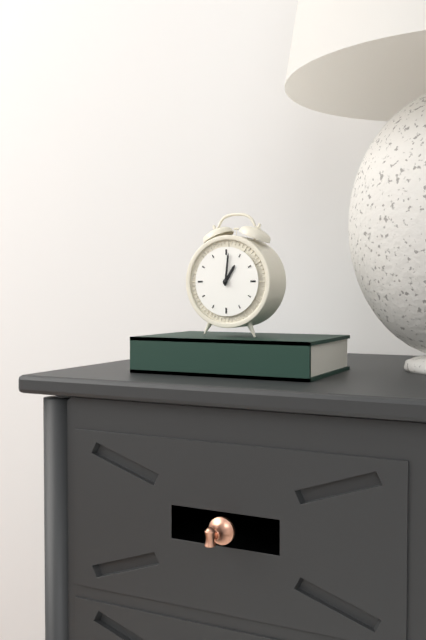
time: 1:01
